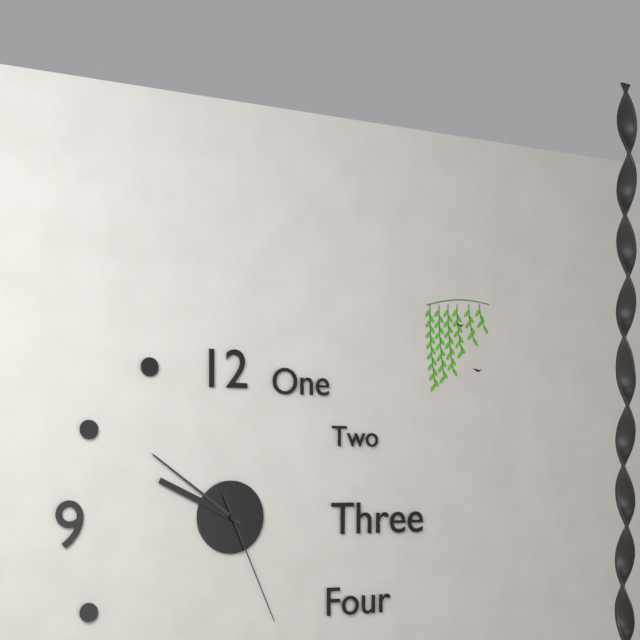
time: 9:51:26
